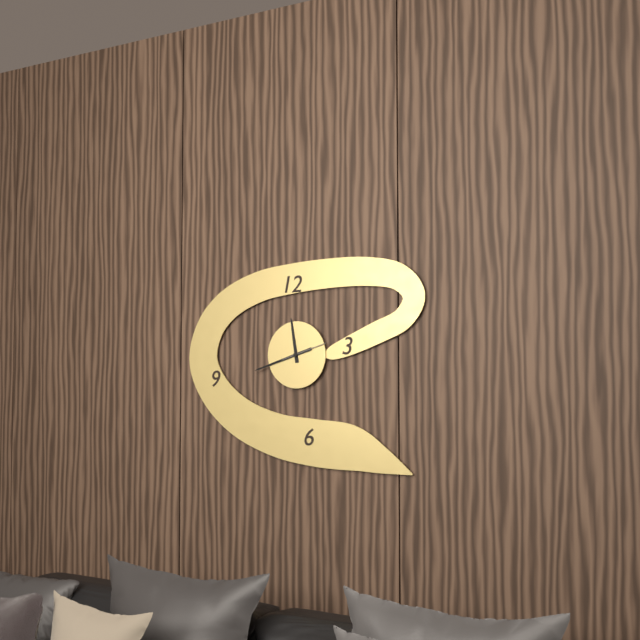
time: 11:42
